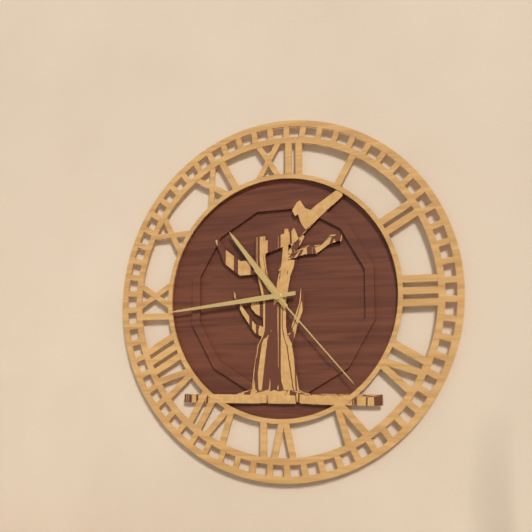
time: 10:44:23
